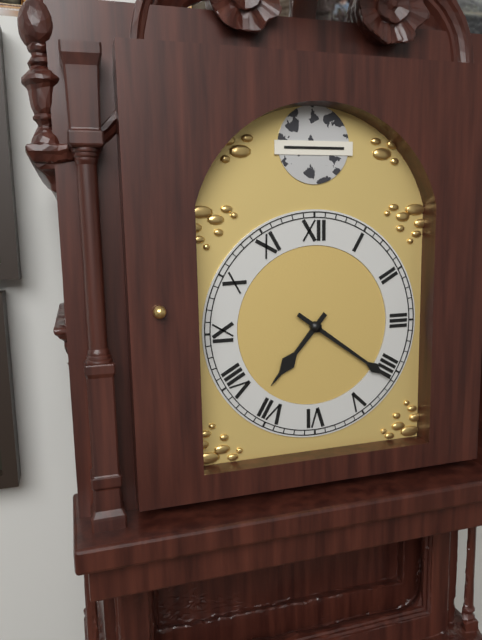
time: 7:21
